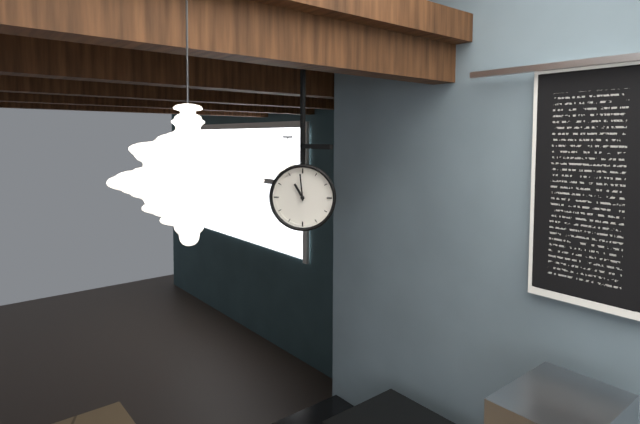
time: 10:59
